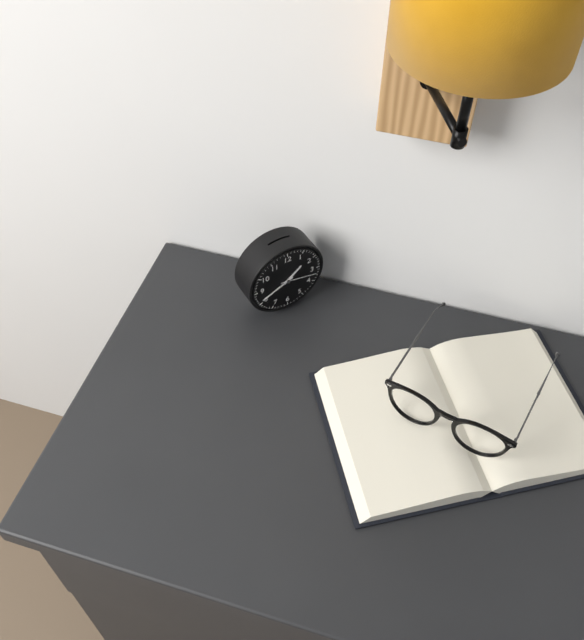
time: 1:41
